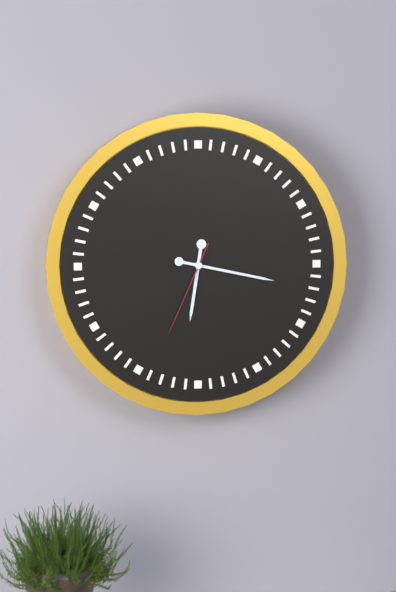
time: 6:17:34
